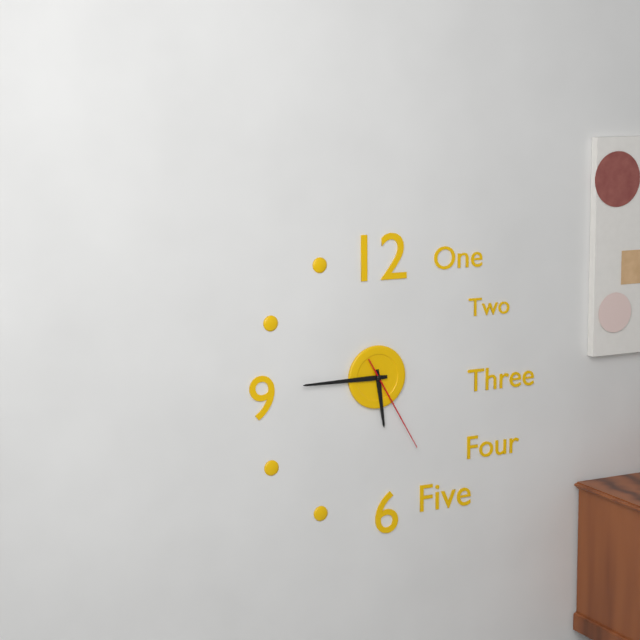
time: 5:45:25
